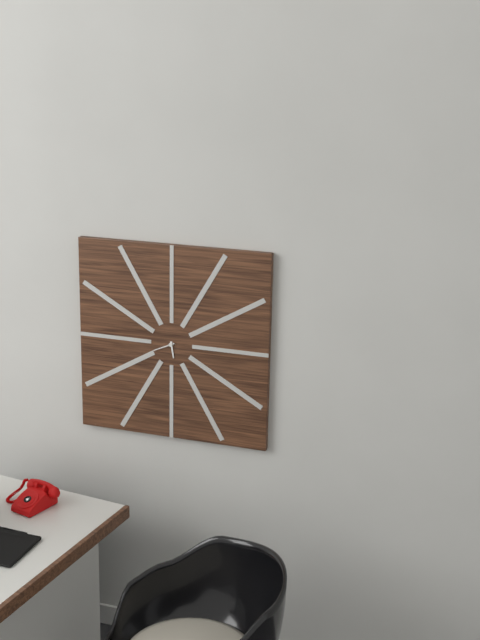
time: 5:41
